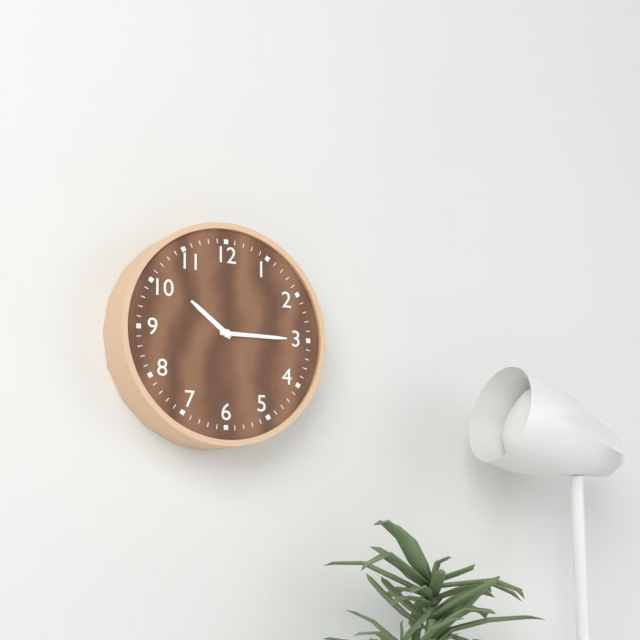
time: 10:15
